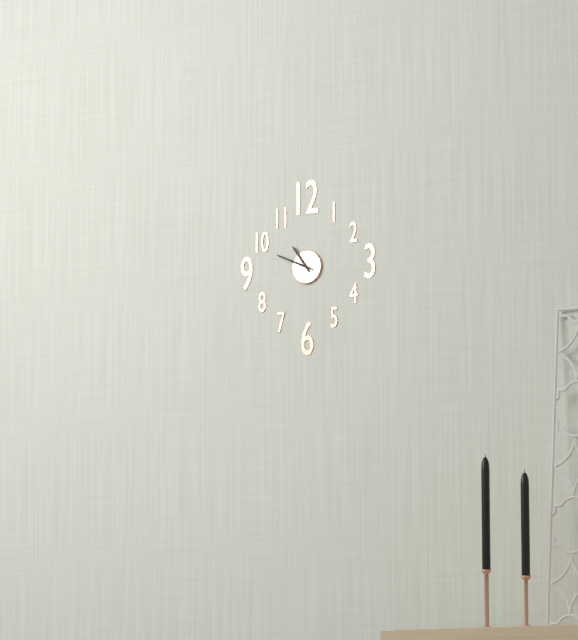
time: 10:49
